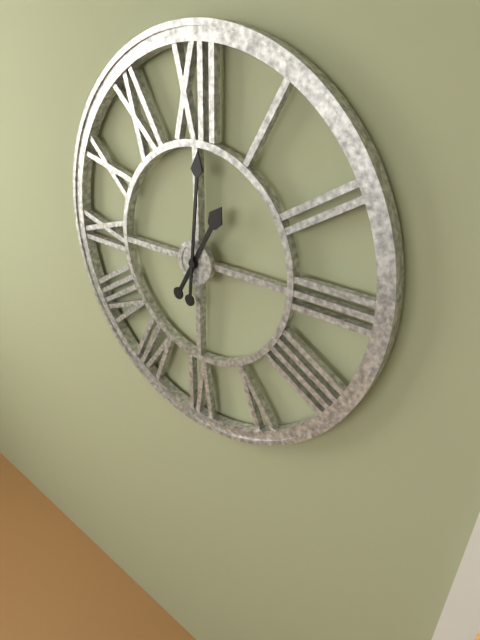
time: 1:01
